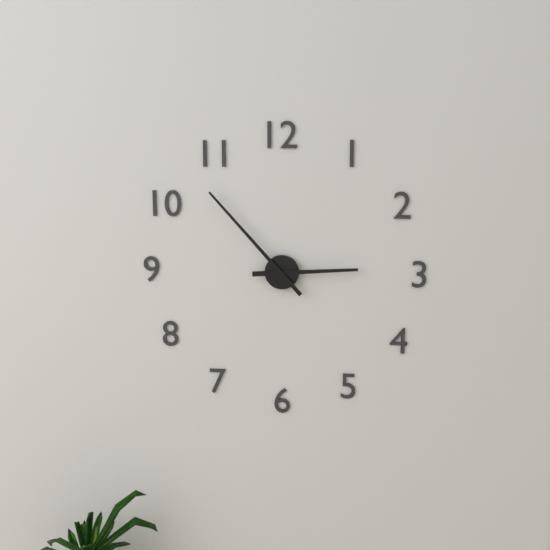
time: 2:53
